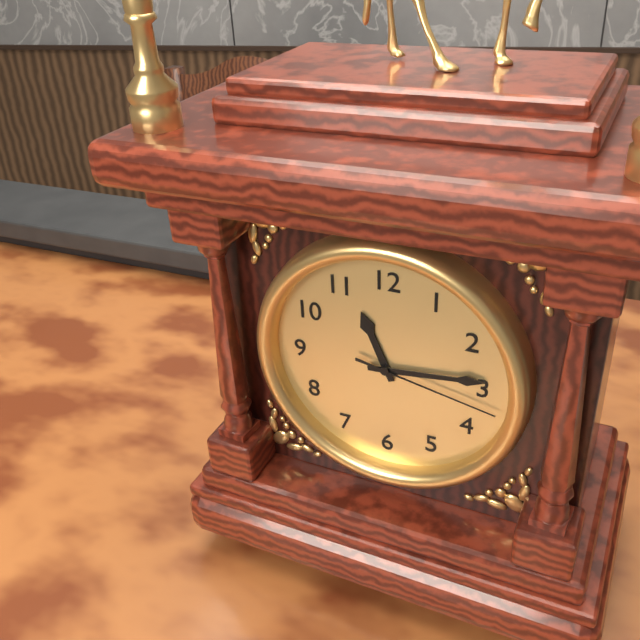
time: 11:14:17
